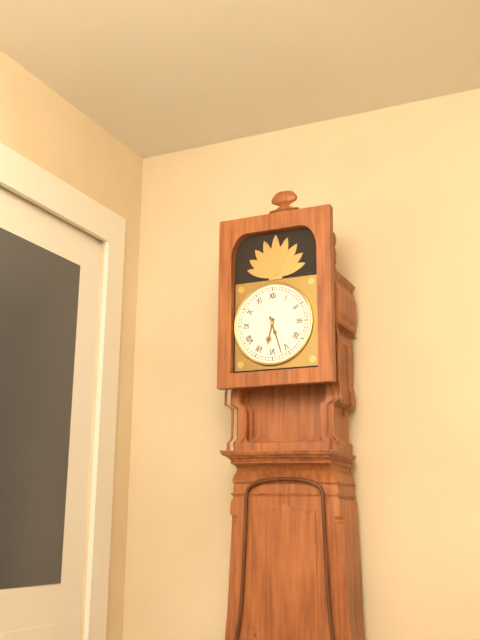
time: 6:27
